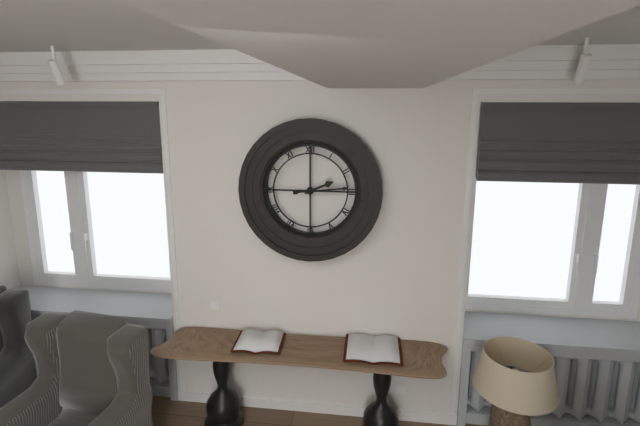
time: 2:14
